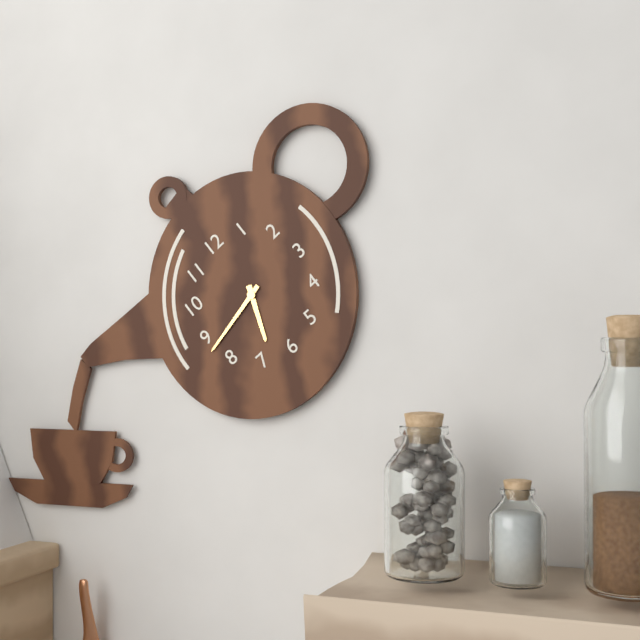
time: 6:43
